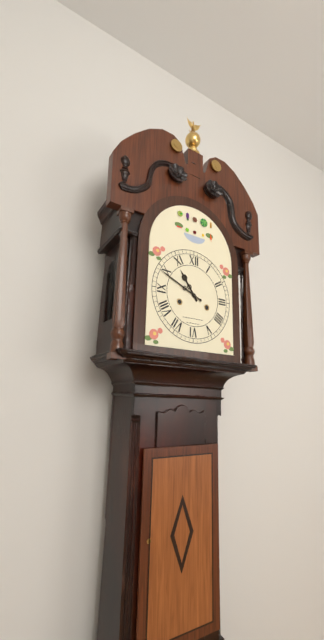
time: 10:49
